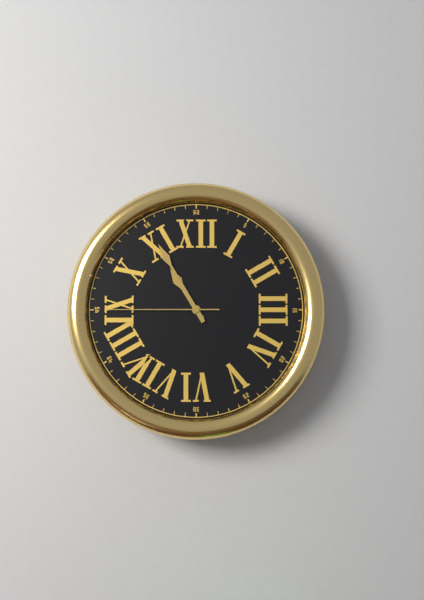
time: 10:55:45
